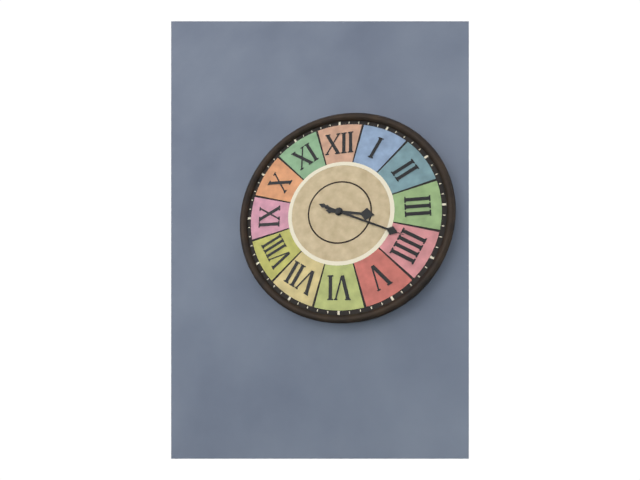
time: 3:19:19
